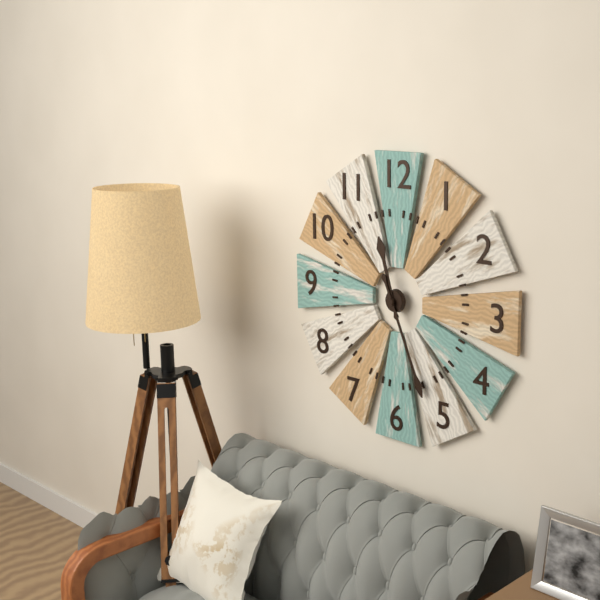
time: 11:26
